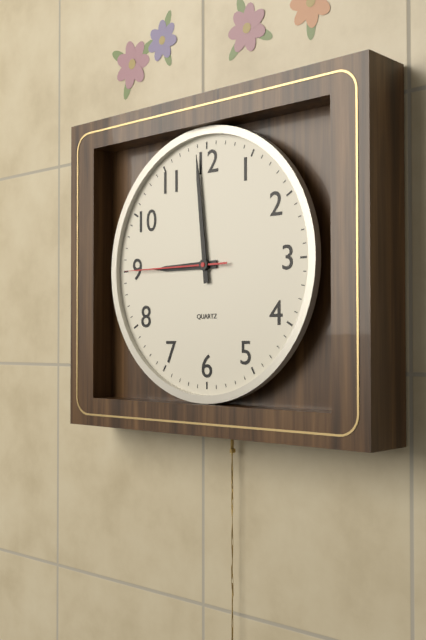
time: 8:59:45
